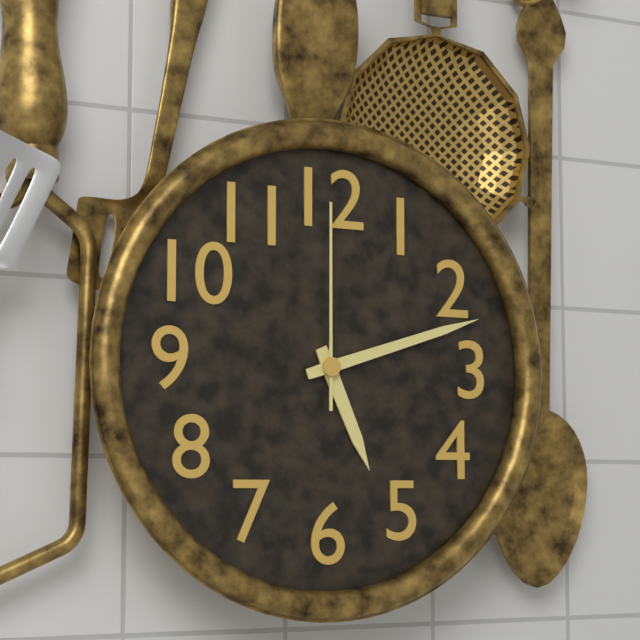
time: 5:12:00
